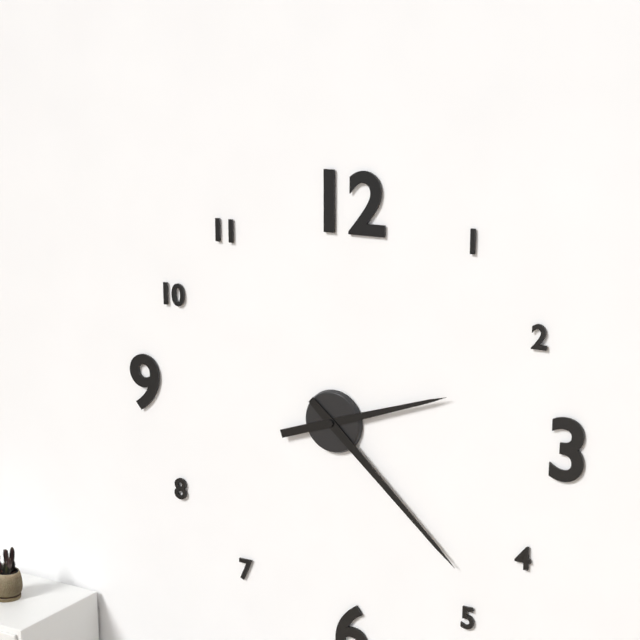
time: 2:22
